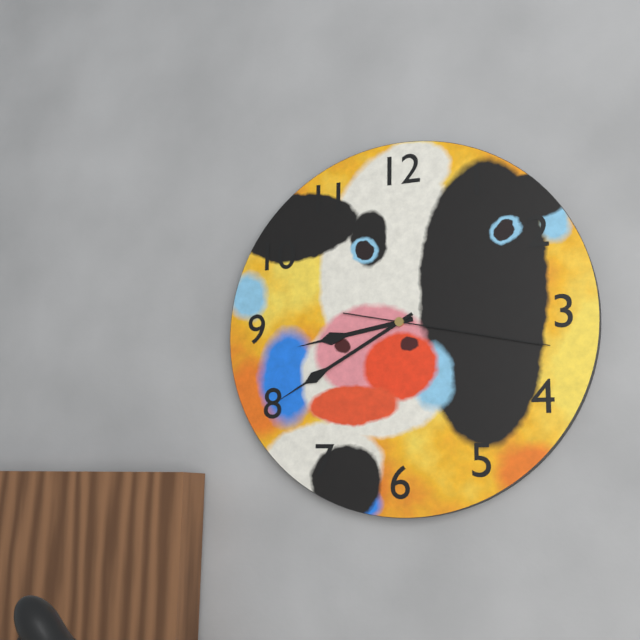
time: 8:40:17
